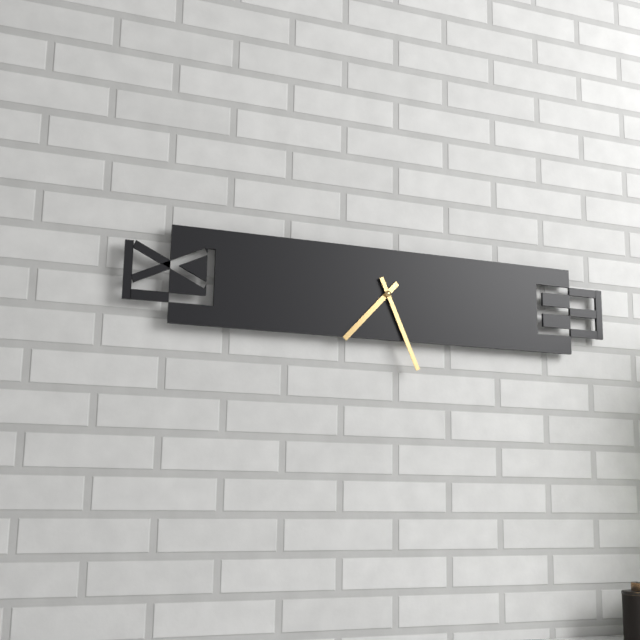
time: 7:26
